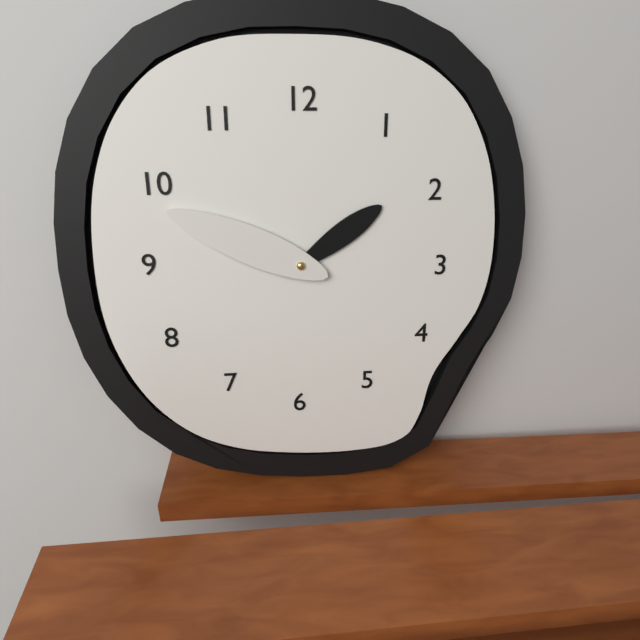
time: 1:49
